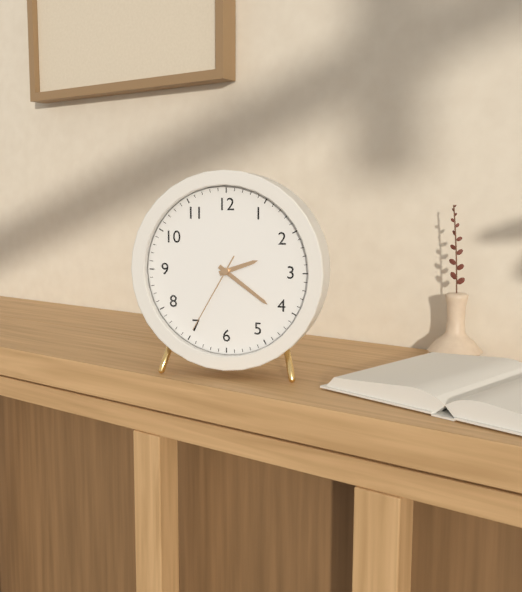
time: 2:21:35
